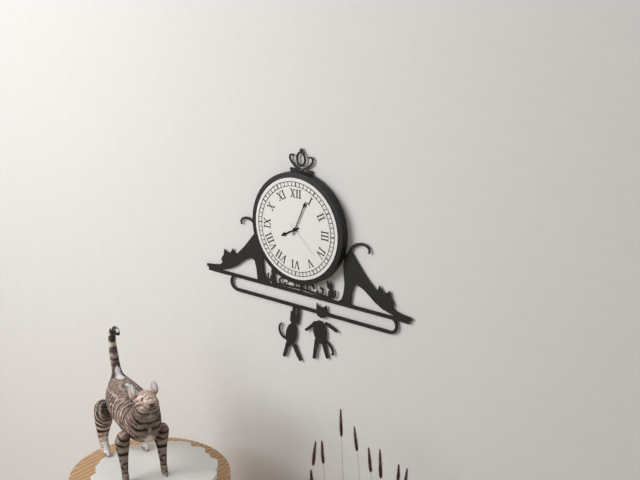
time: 8:04
